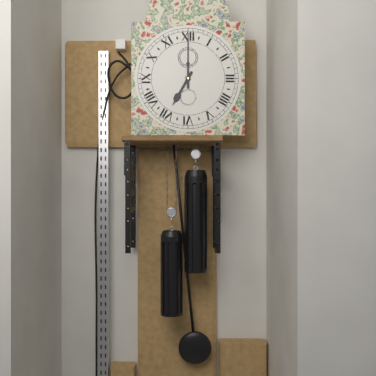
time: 7:00
